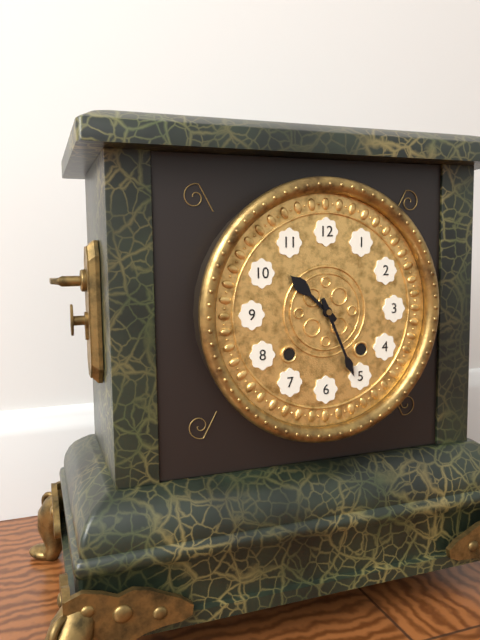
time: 10:26
